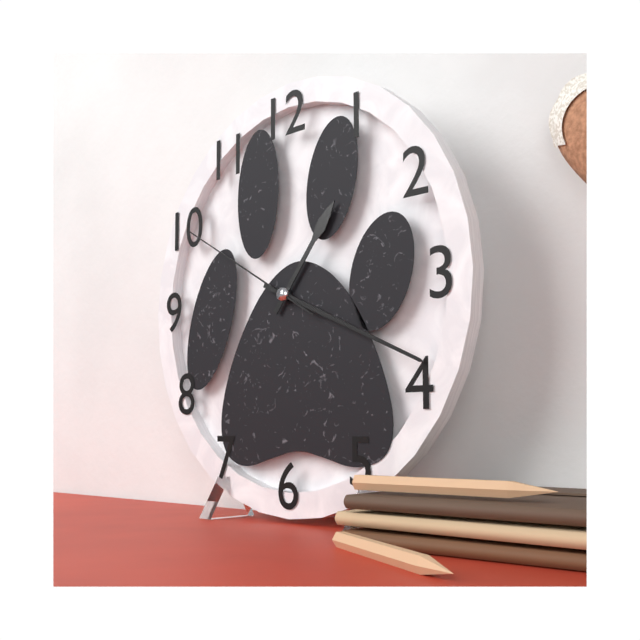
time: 1:19:50
